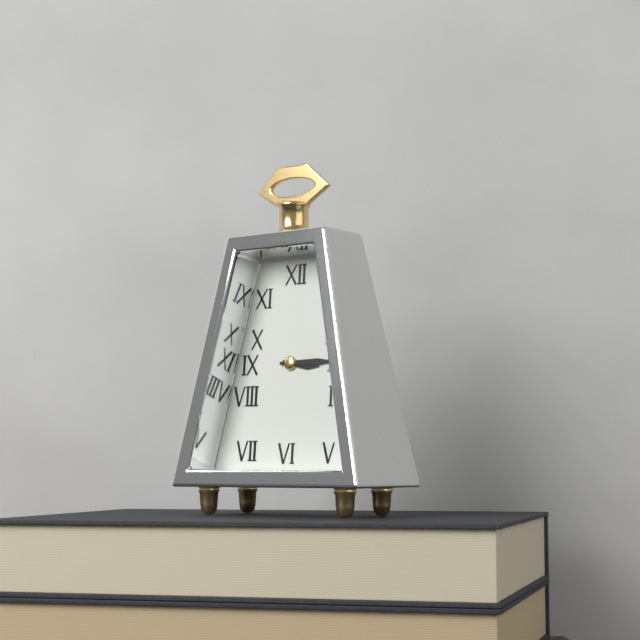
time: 3:15
